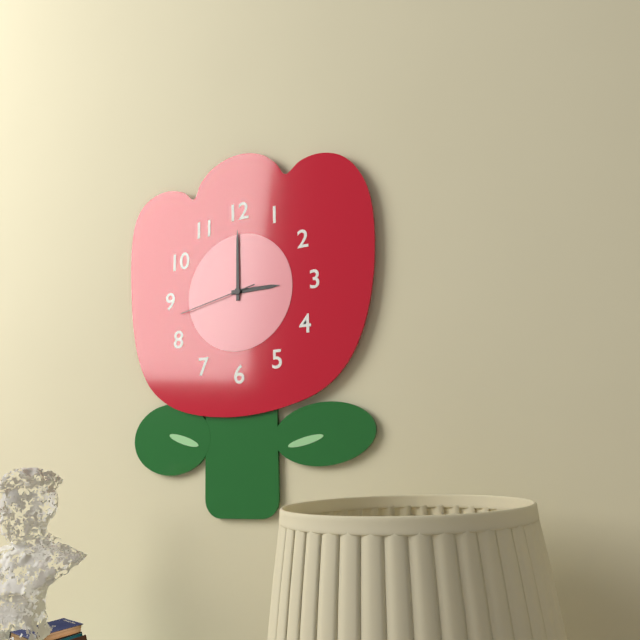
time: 3:00:43
